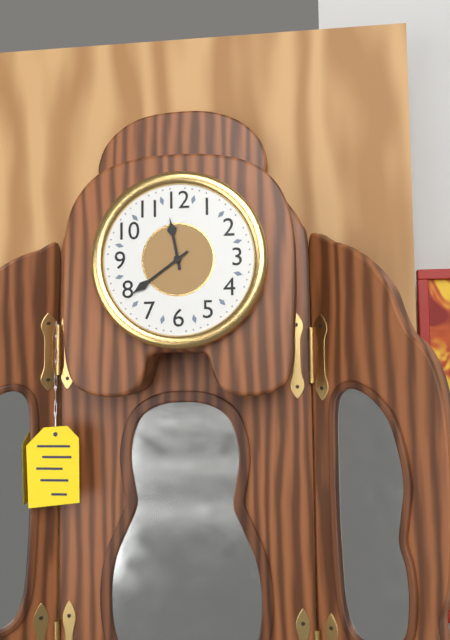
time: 11:39
